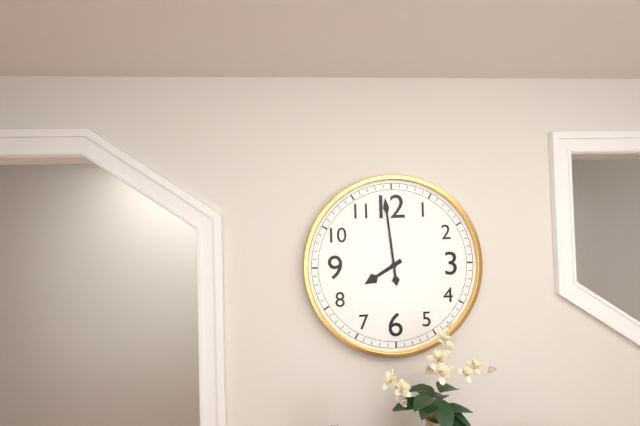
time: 7:59
